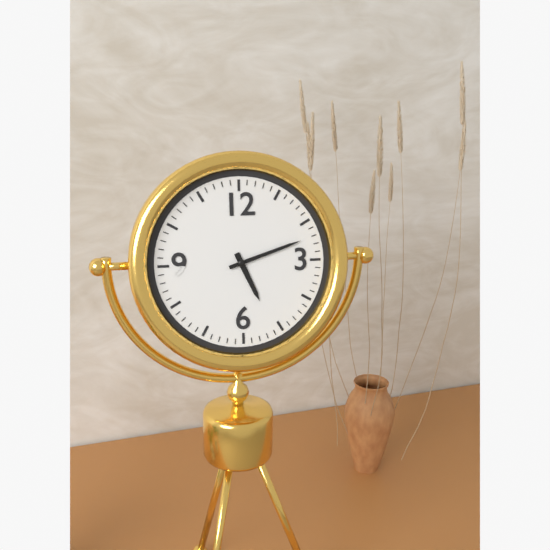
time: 5:12
